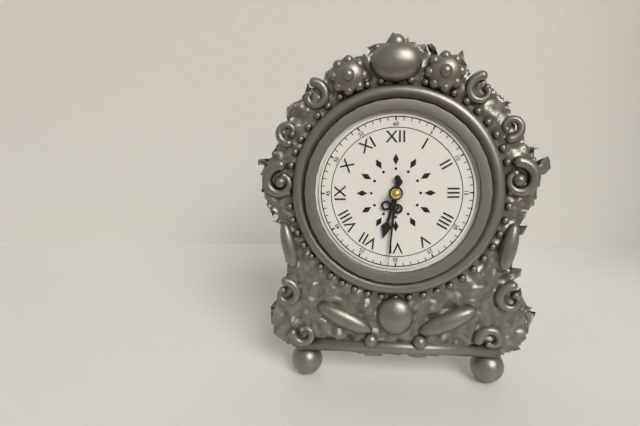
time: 6:31
